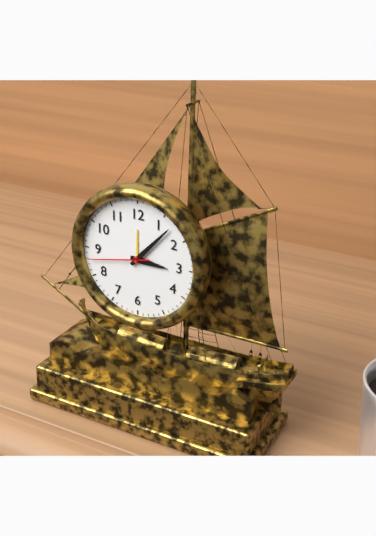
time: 3:07:43
